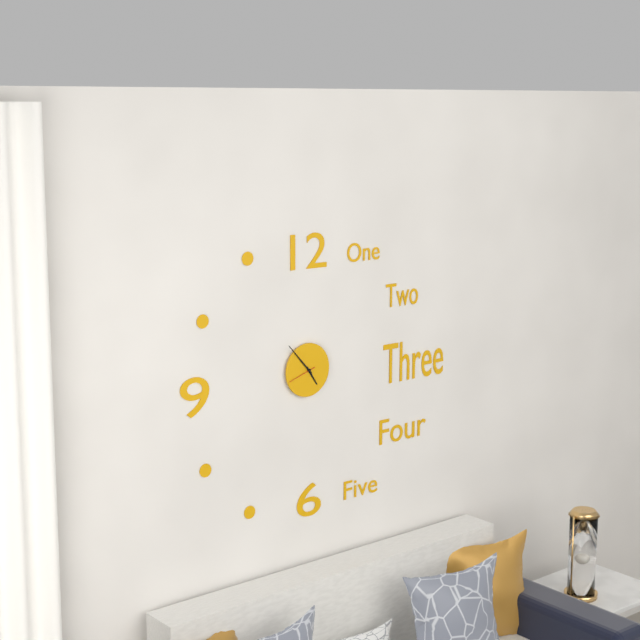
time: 4:53
